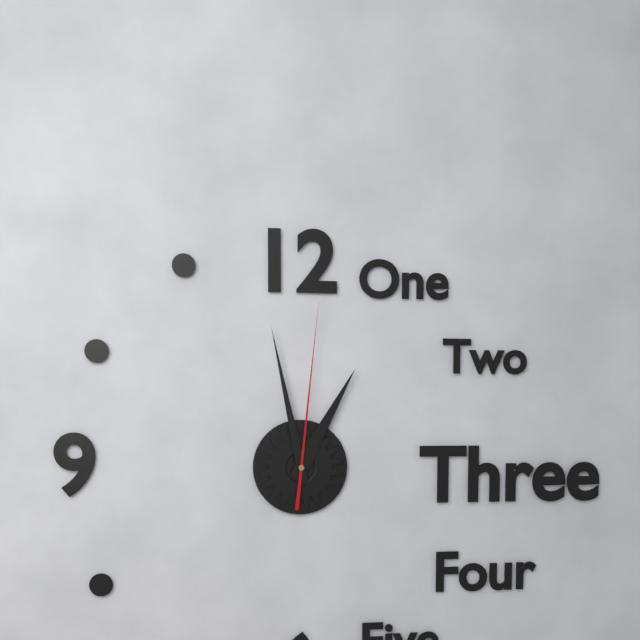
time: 12:58:01
